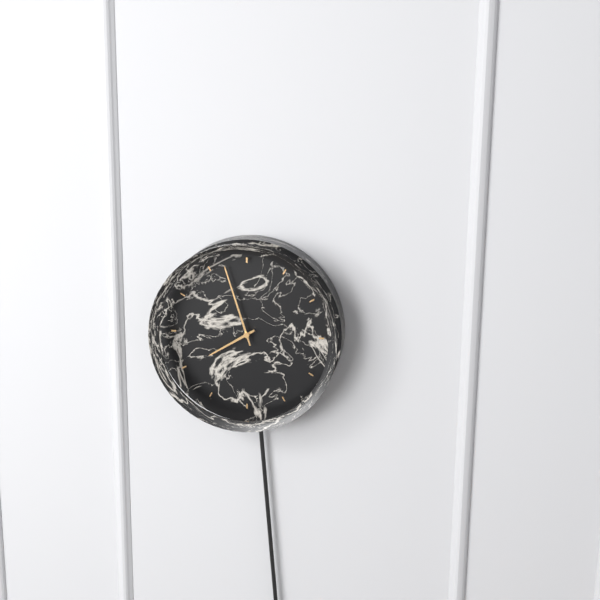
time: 7:57
